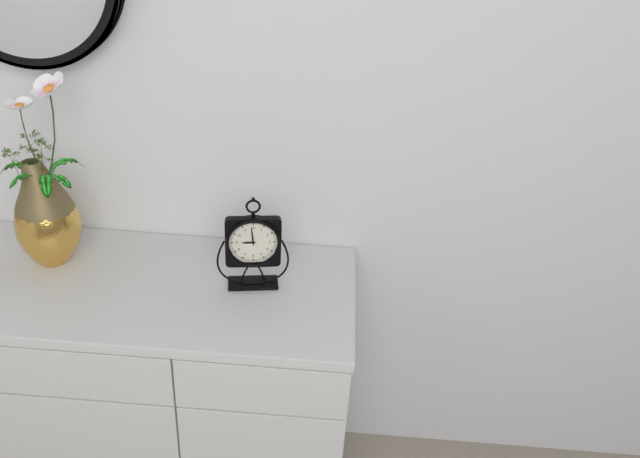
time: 8:59
